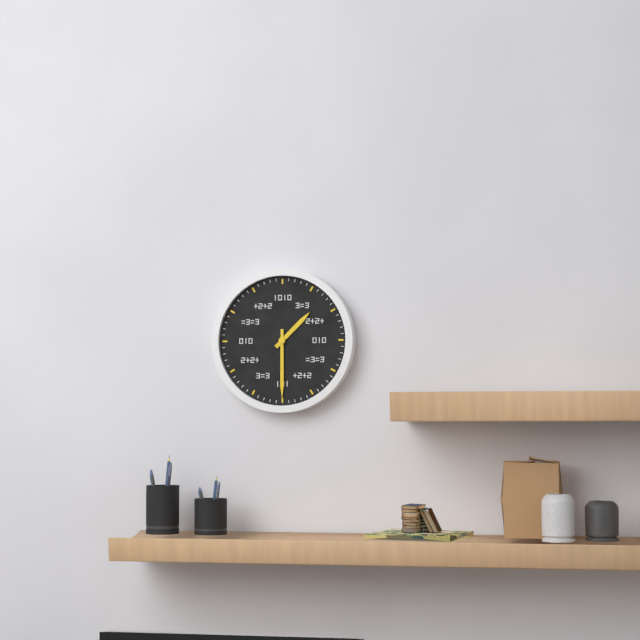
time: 1:30
